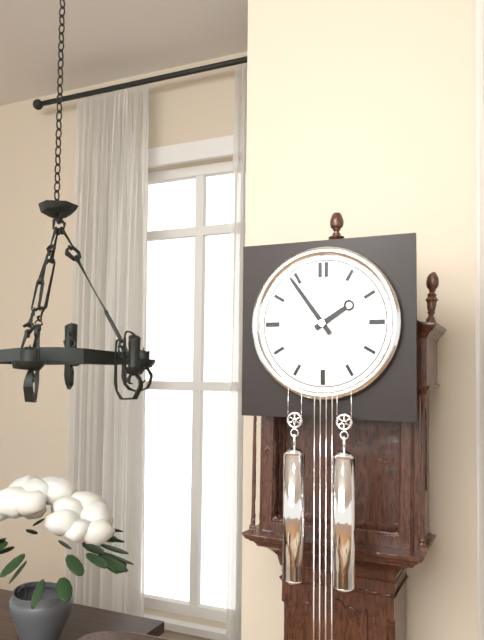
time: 1:54
